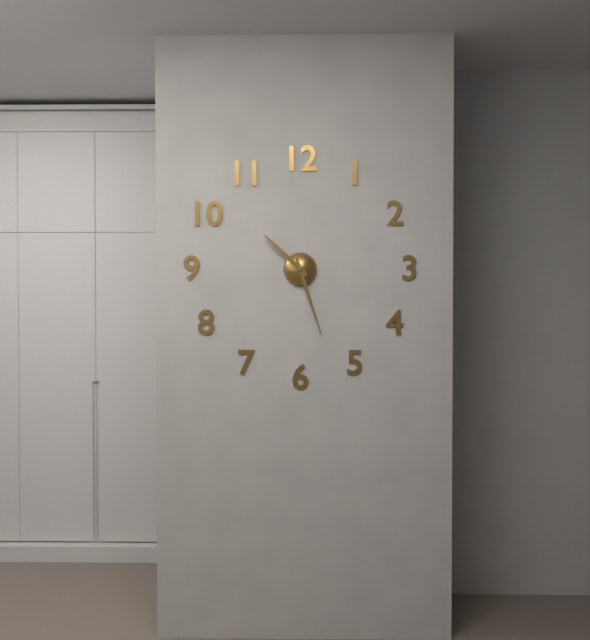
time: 10:27
